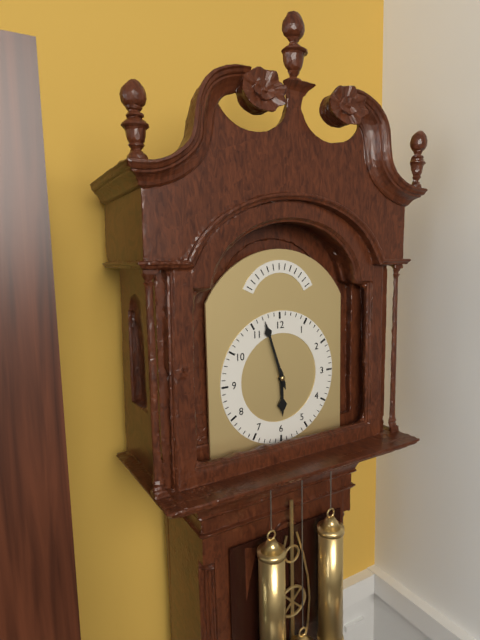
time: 5:57
